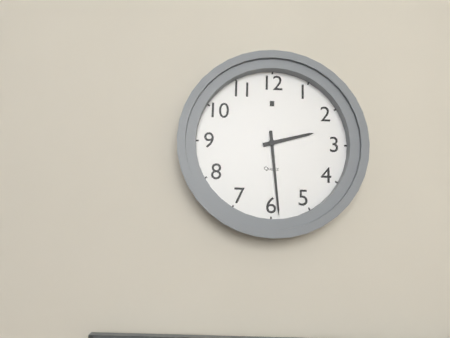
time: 2:29
